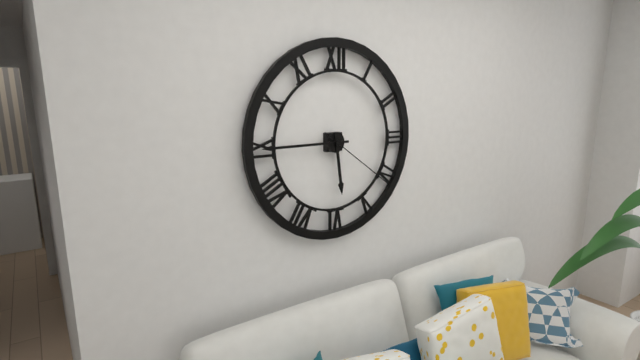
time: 5:45:21
